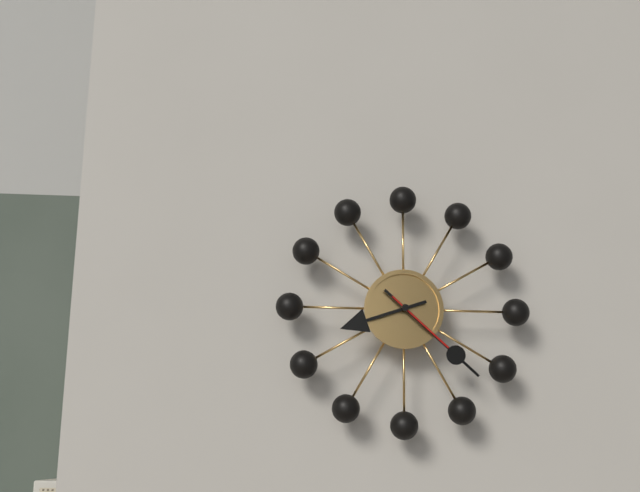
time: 8:22:22
